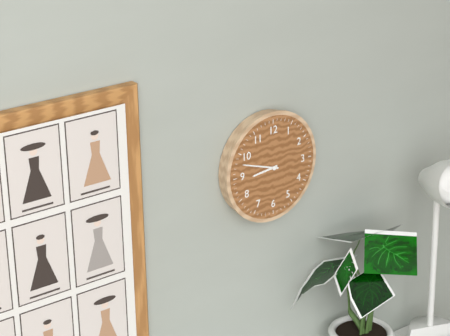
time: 8:48
